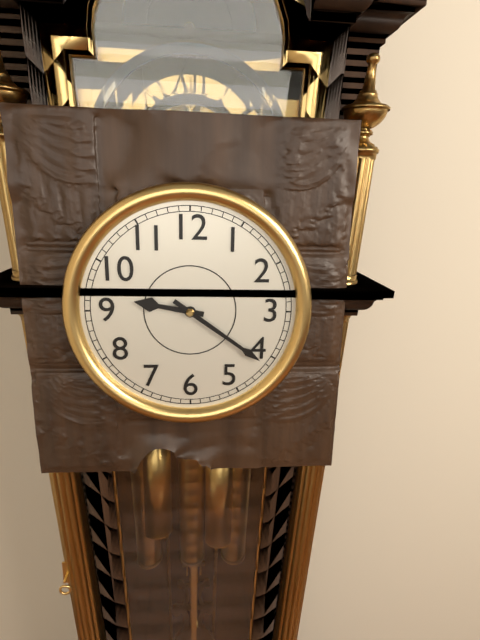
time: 9:21
